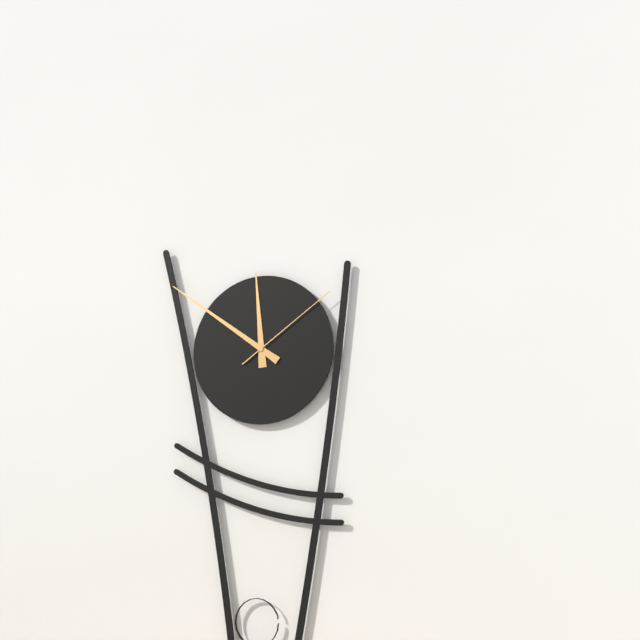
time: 11:51:09
